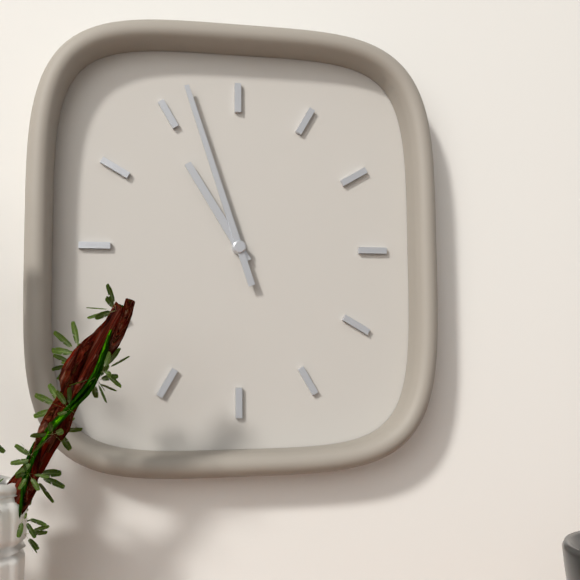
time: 10:57
